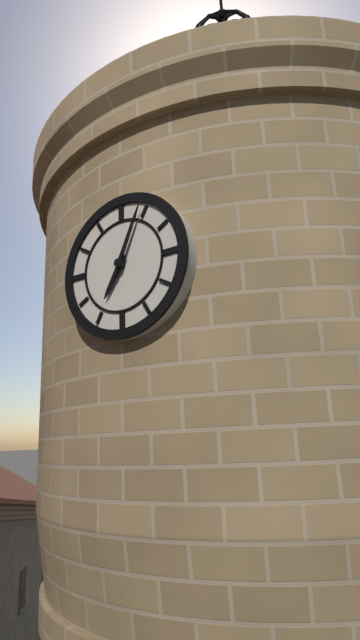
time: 7:04
